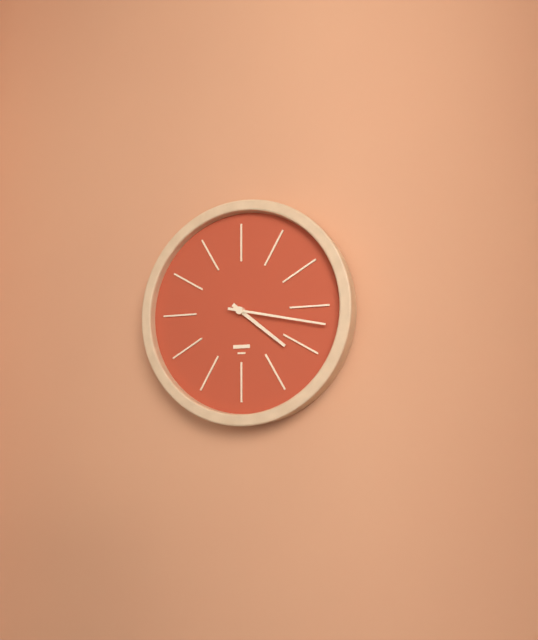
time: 4:17
